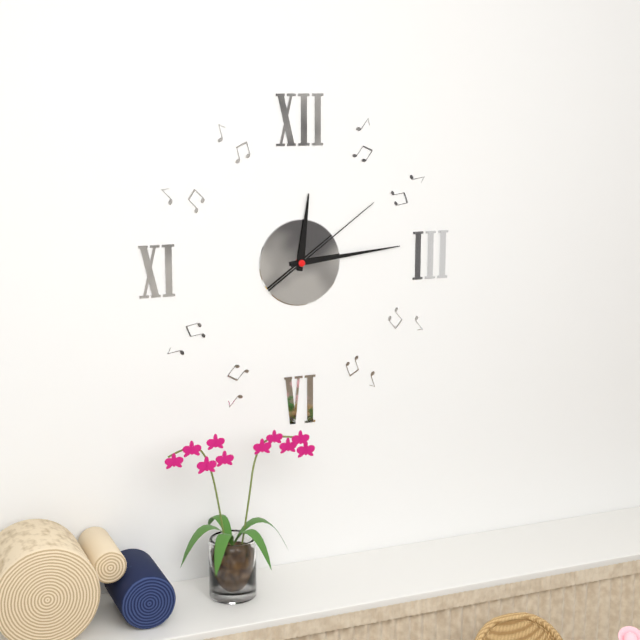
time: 12:14:09
